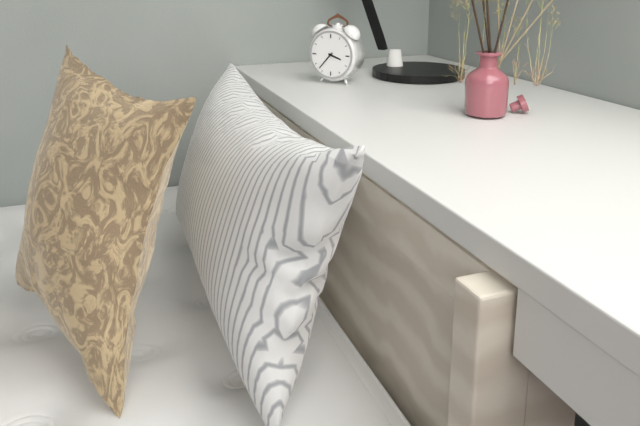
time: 3:37
